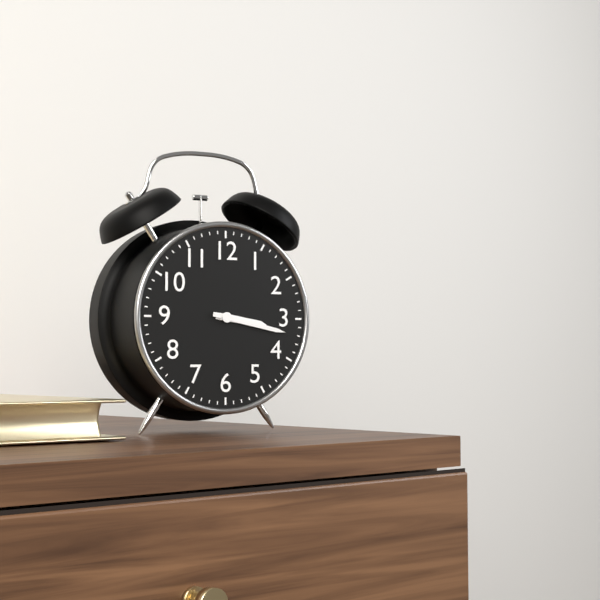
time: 3:17
